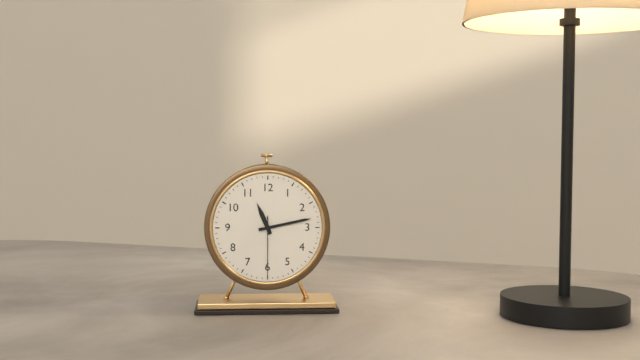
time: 11:13:30
